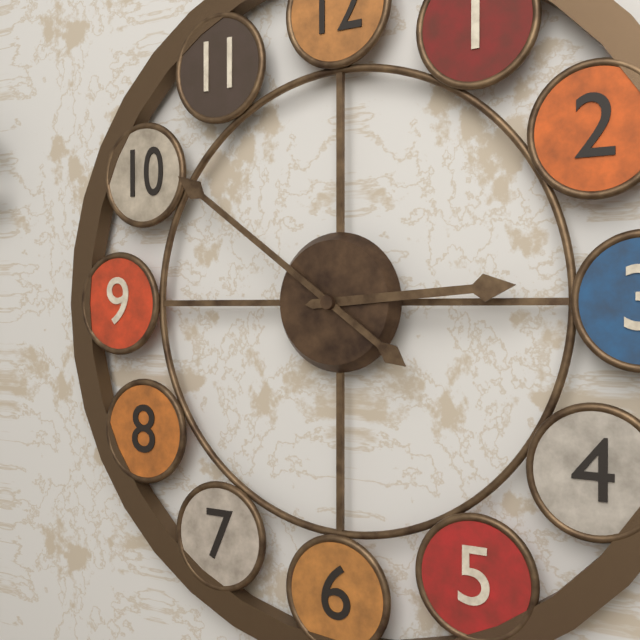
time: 2:51
